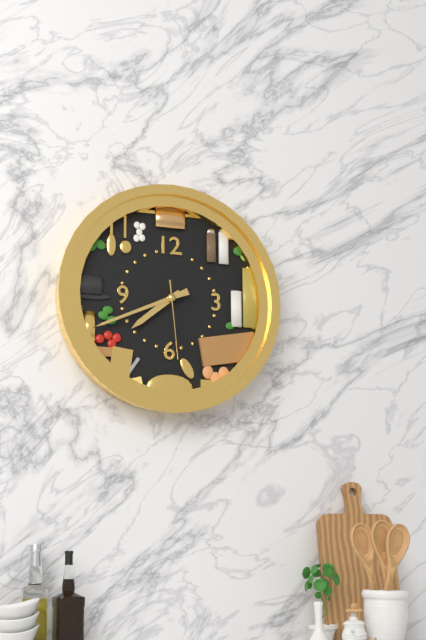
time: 7:41:29
